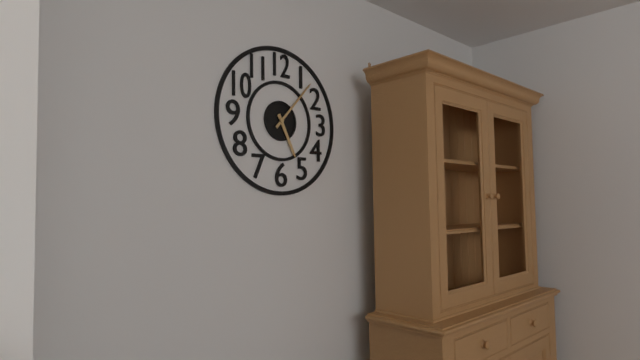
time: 5:07
